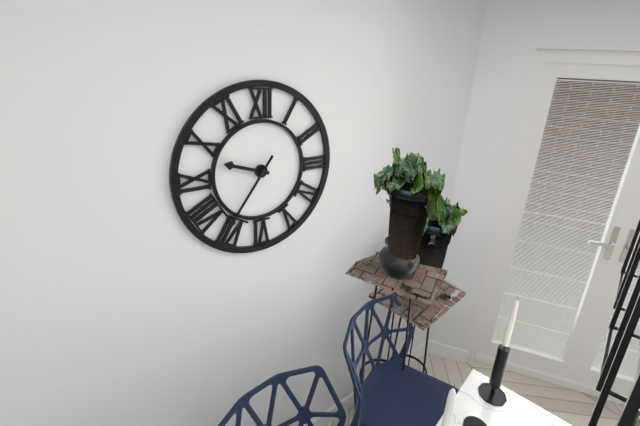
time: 9:36
